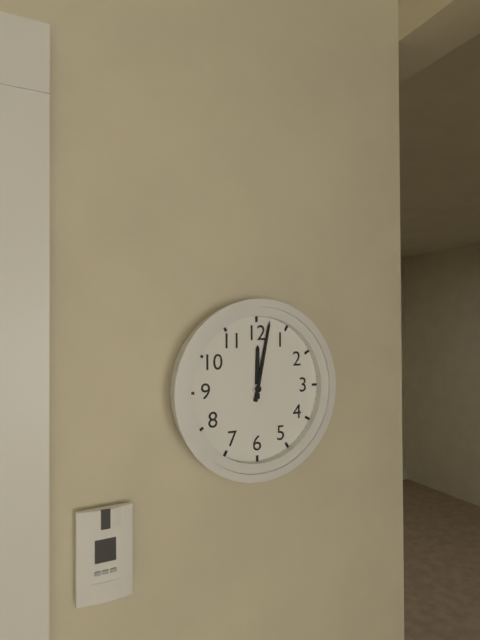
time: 12:02
